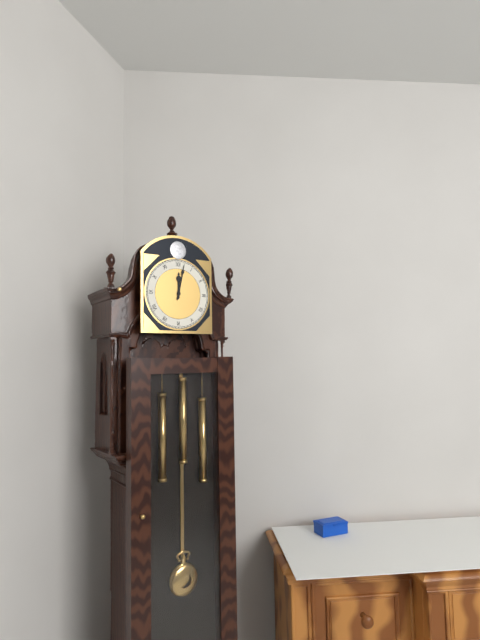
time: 12:02
